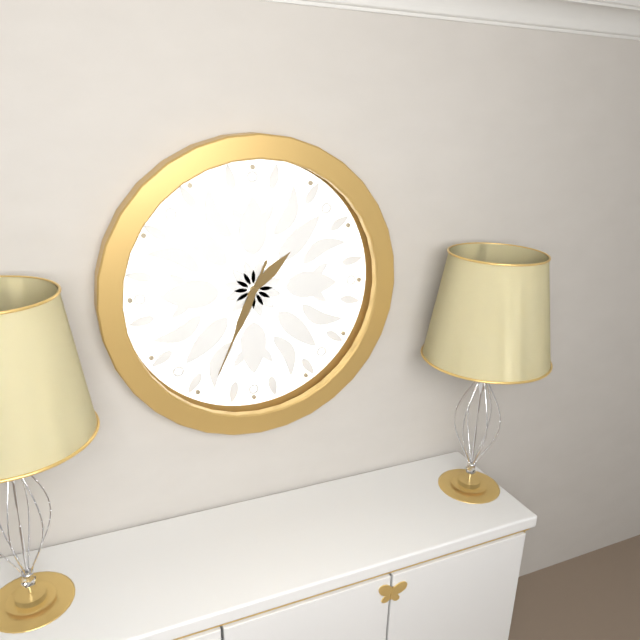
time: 1:34
